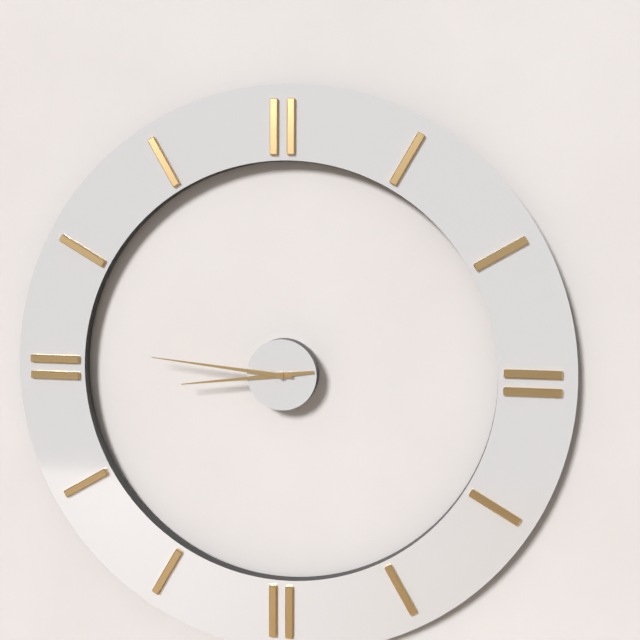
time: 8:46
